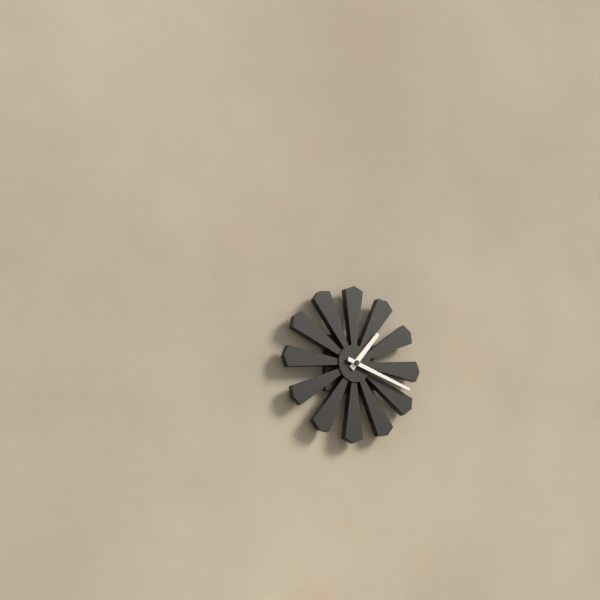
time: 1:18
